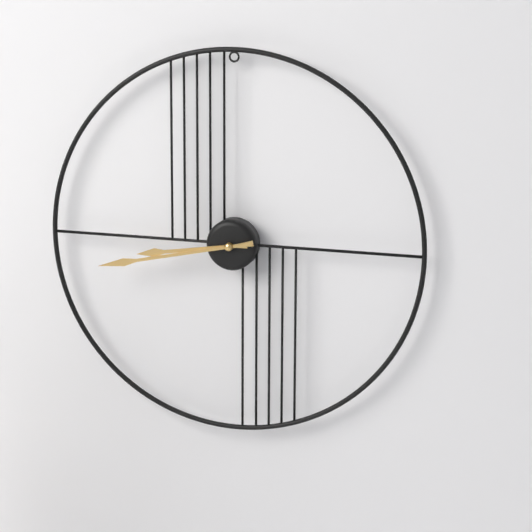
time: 8:43
